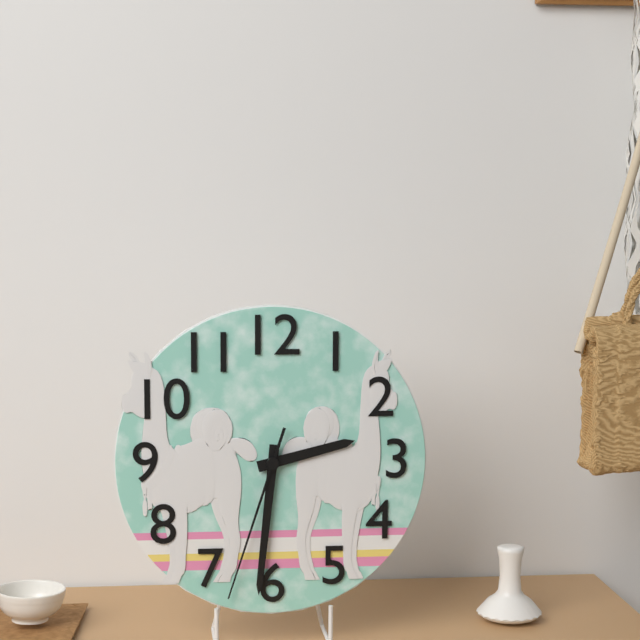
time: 2:31:33
